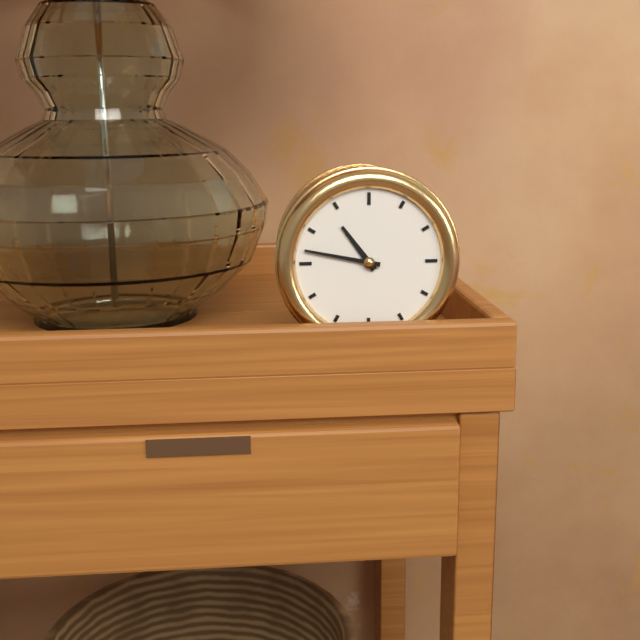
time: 10:47
